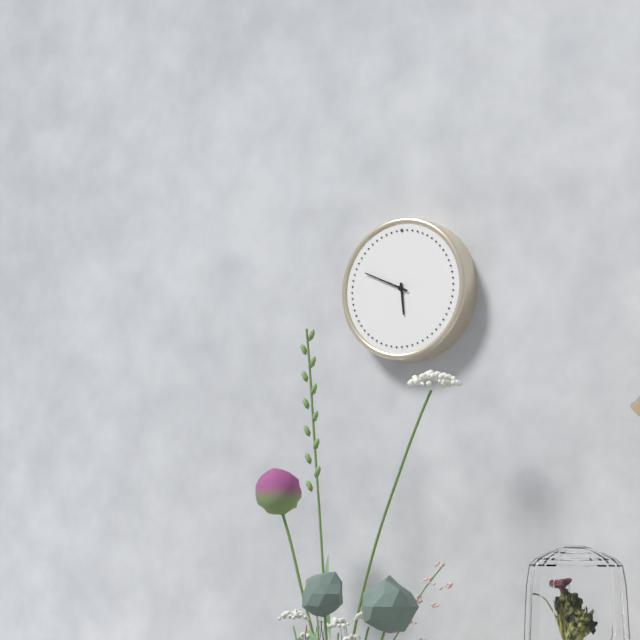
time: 5:49
